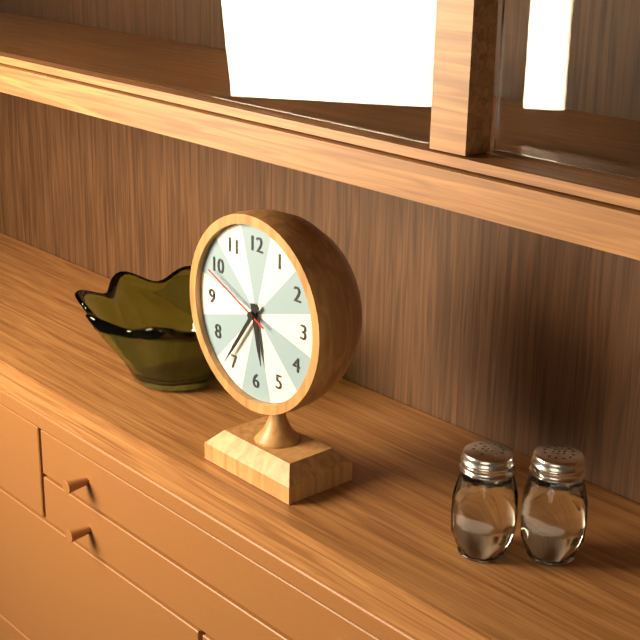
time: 5:36:49
